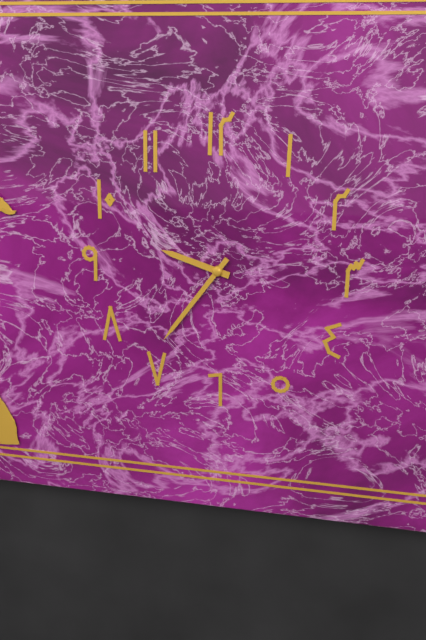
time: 9:36
